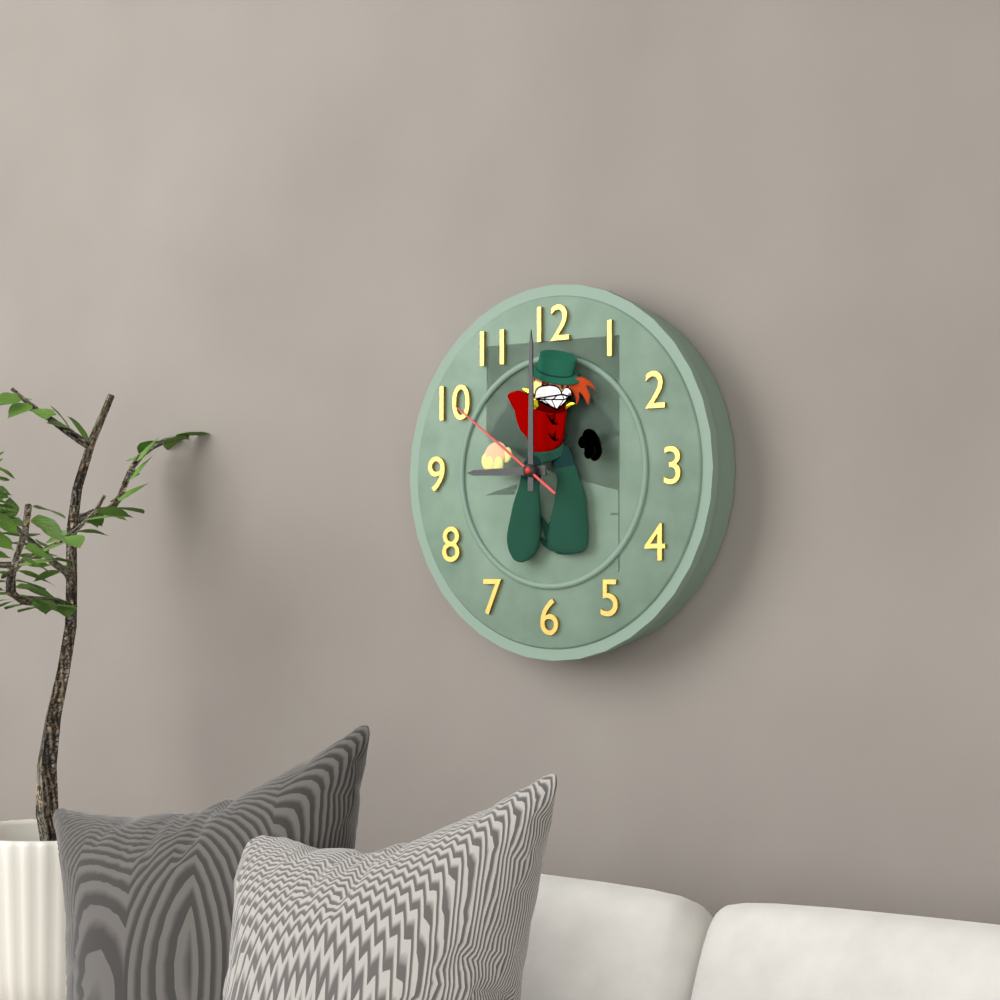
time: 9:00:51
